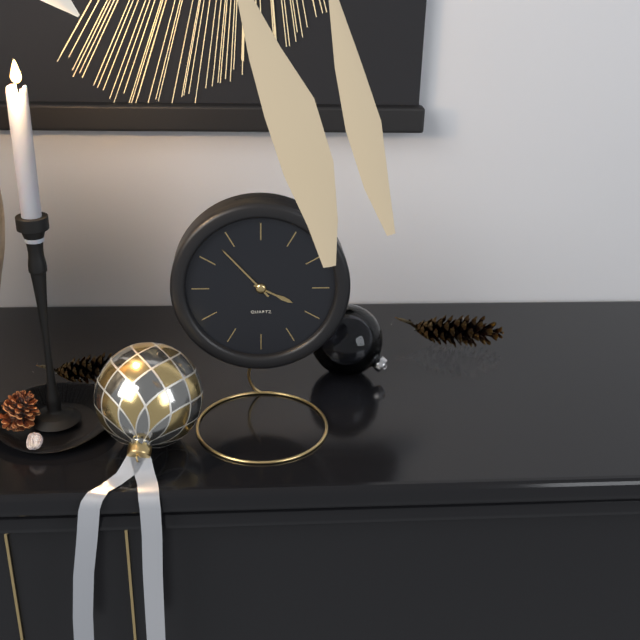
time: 3:53
